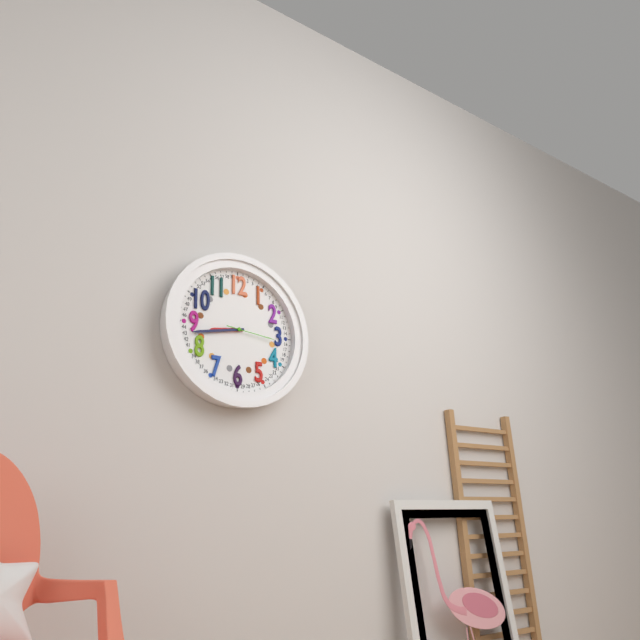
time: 8:43
